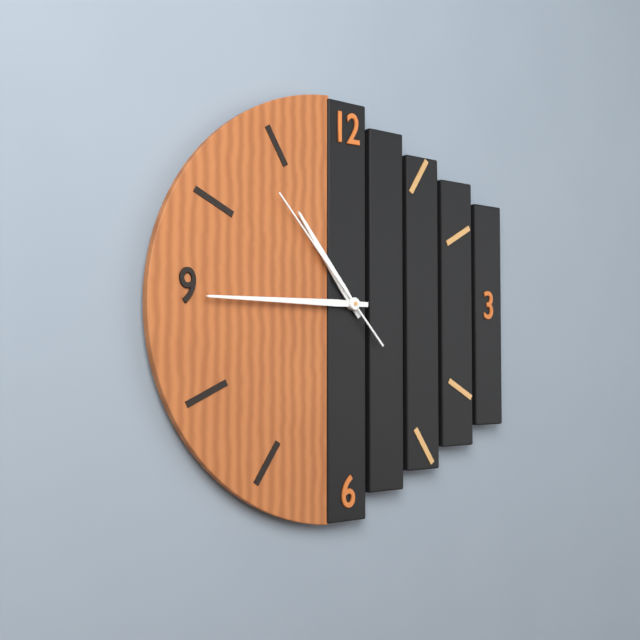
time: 10:45:53
